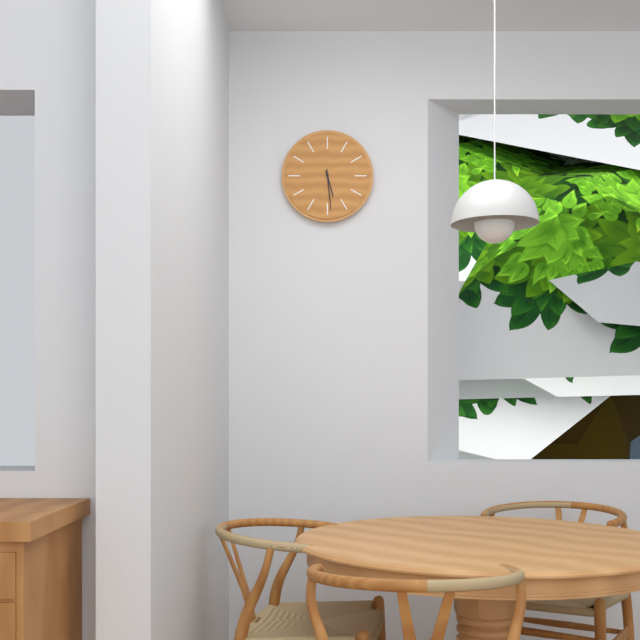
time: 5:29
